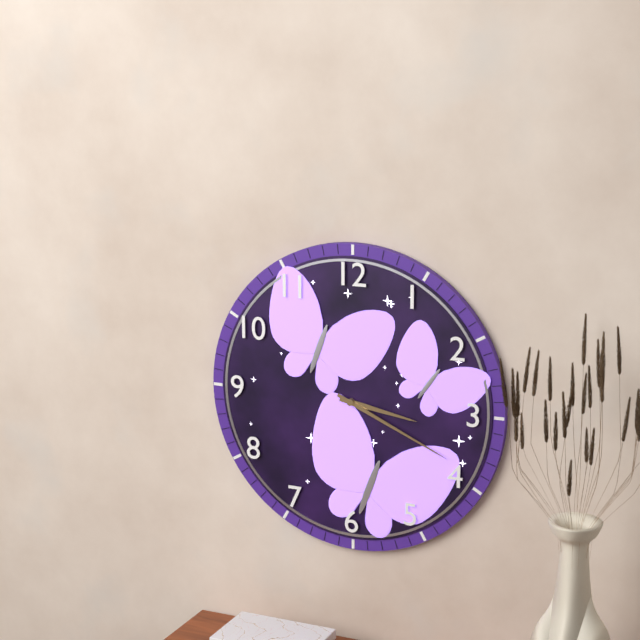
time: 3:19
